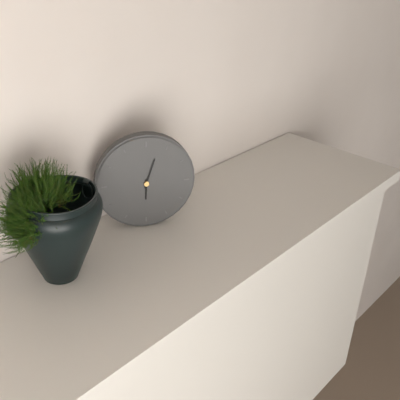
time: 6:03
